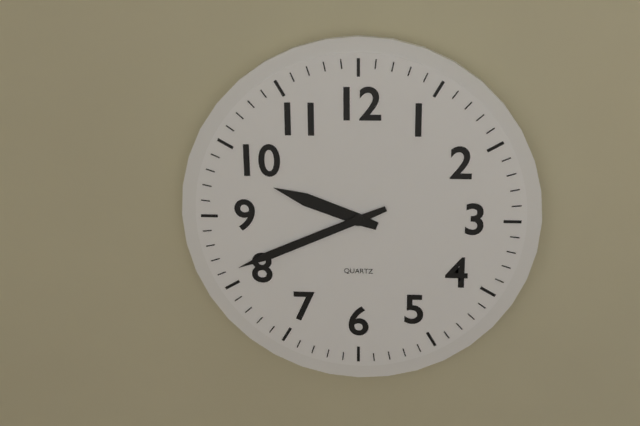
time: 9:41
